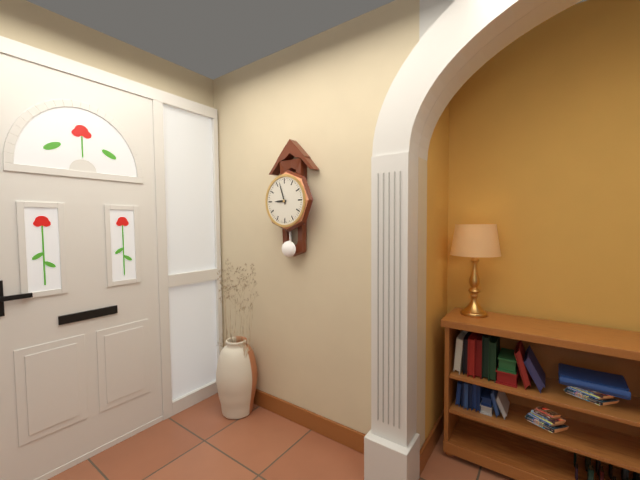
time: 8:57
